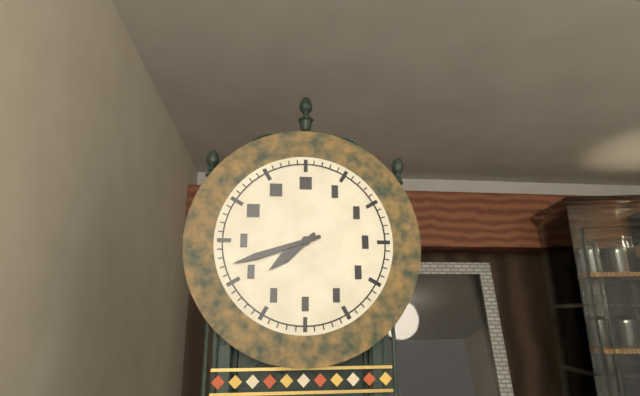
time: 7:42
